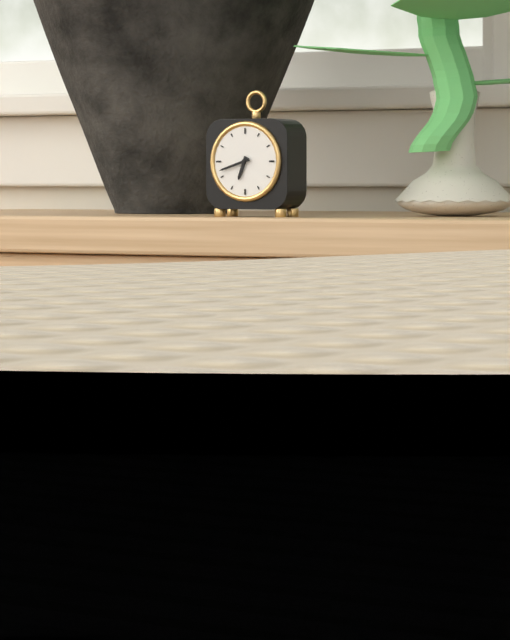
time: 6:42
